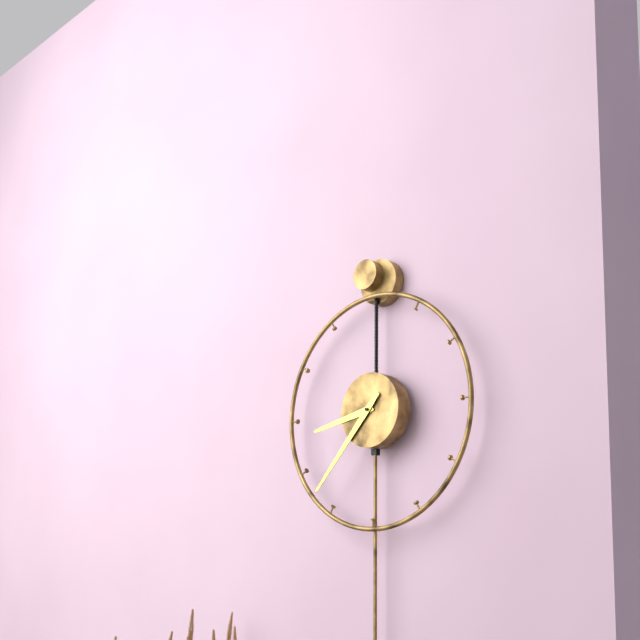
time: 8:37
